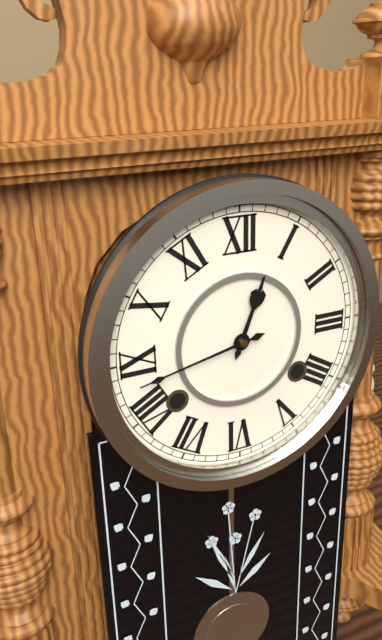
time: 12:43
